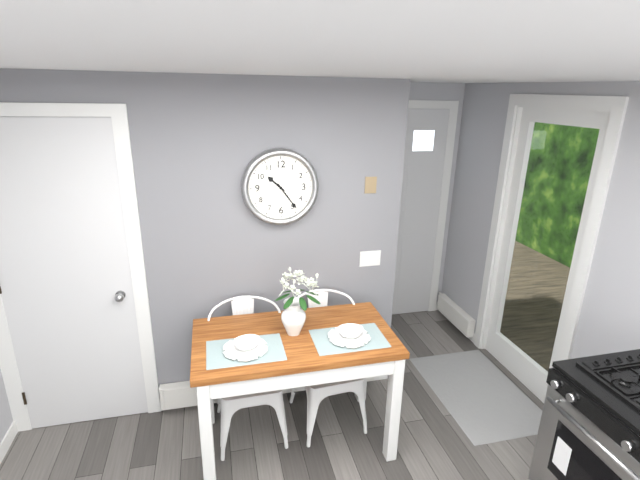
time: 10:24
